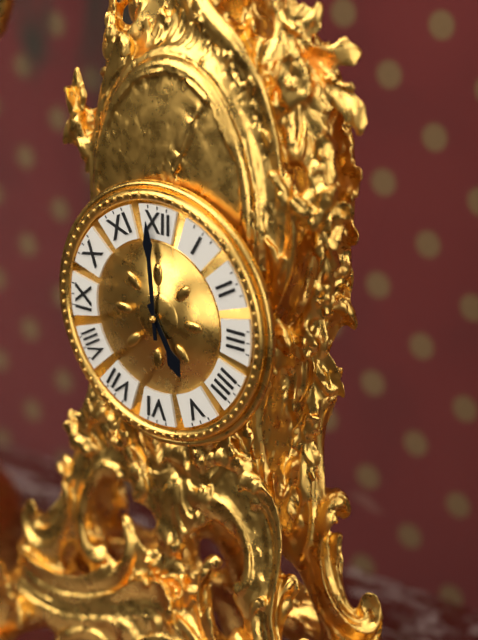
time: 4:59
